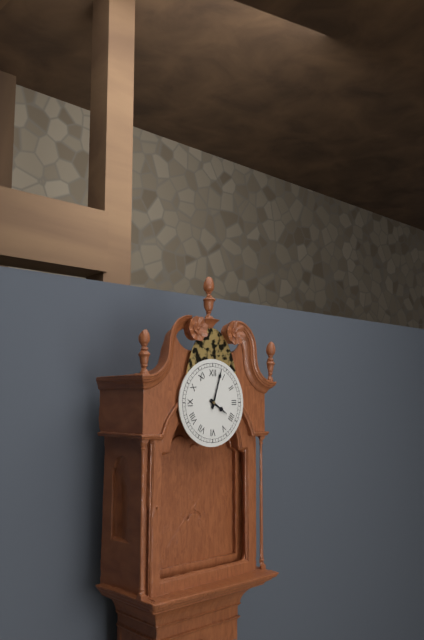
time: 4:03
